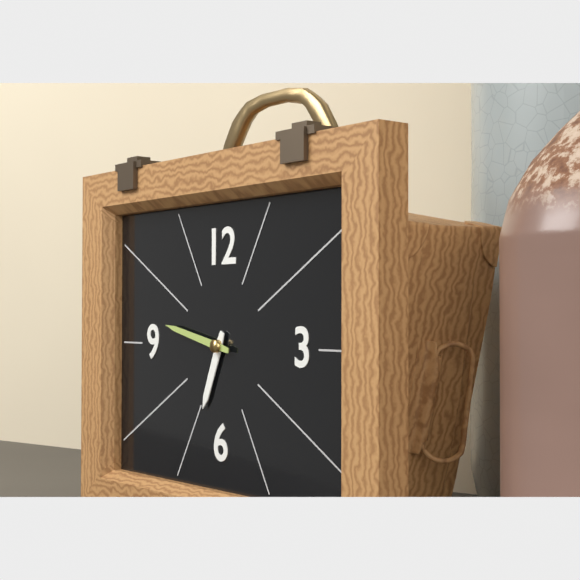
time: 6:47
